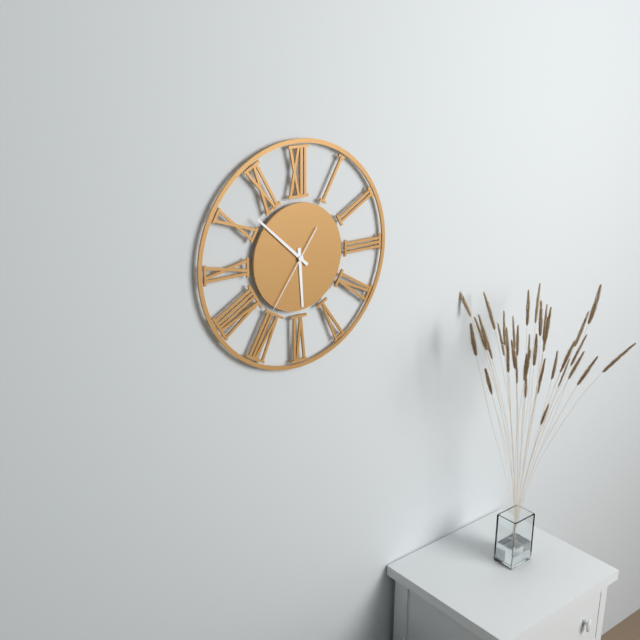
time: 5:52:36
